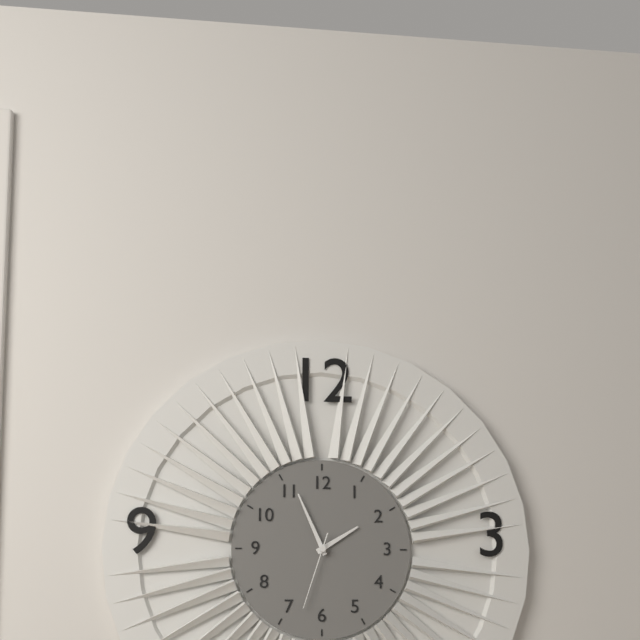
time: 1:56:33
